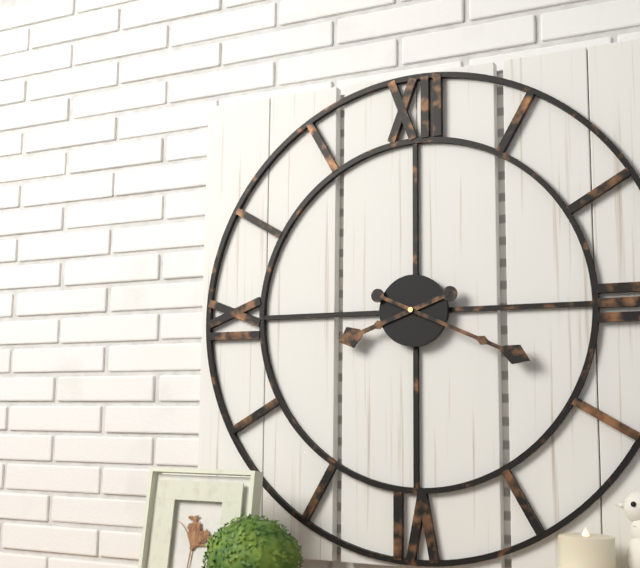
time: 8:19
